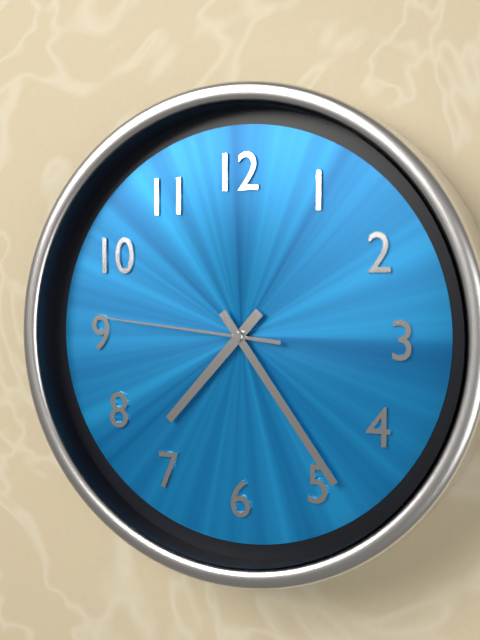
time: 7:24:46
